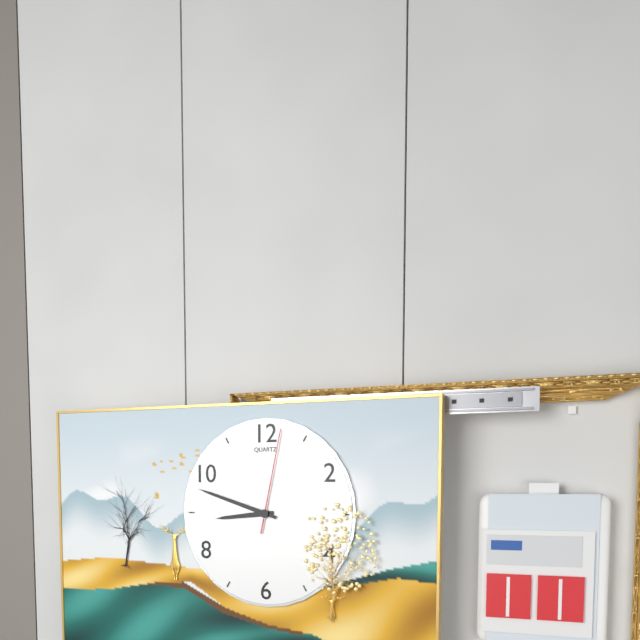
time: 8:48:02
